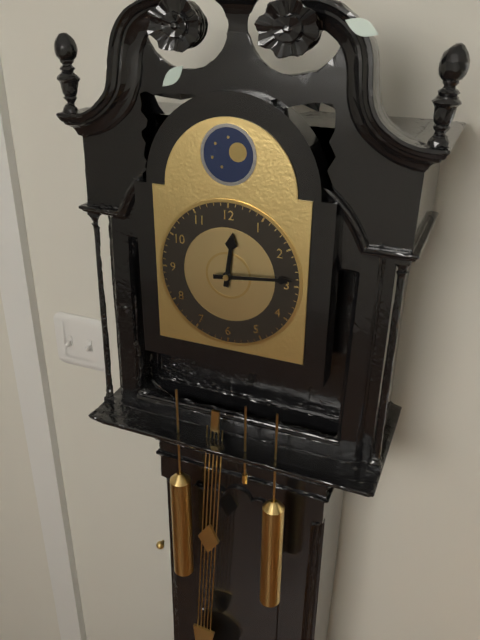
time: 12:14
